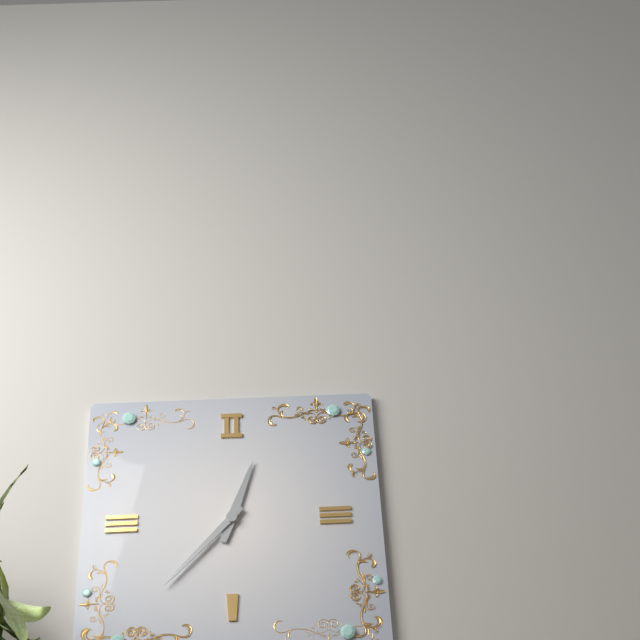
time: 12:37
